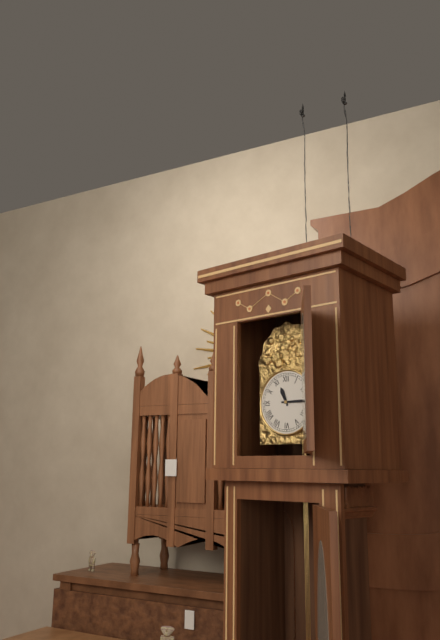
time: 11:15
